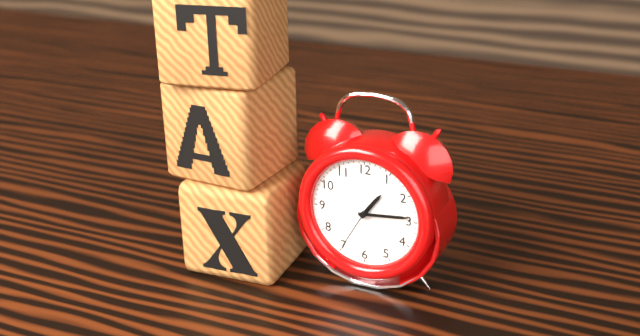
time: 1:14
